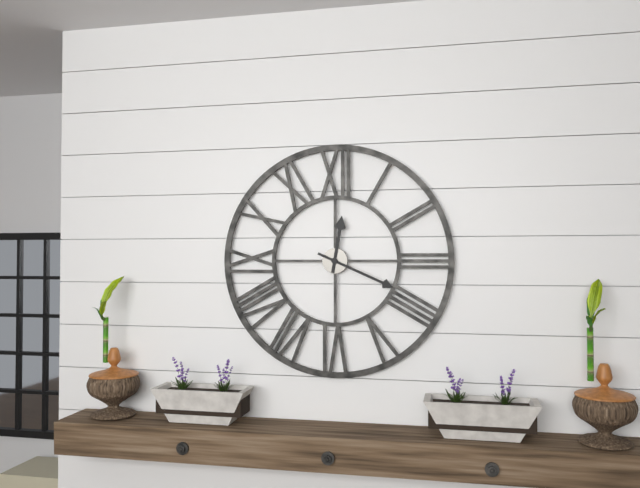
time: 12:19
